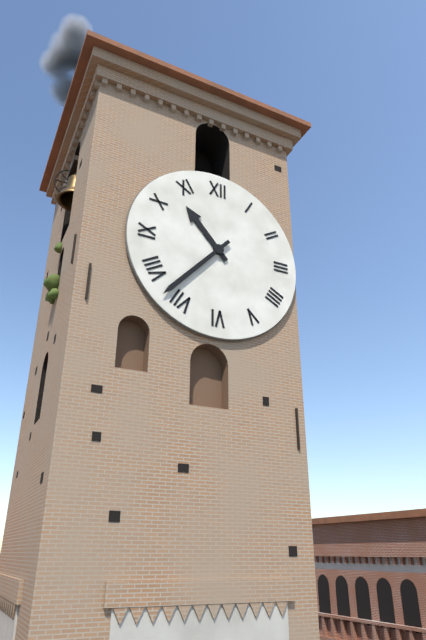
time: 10:37
